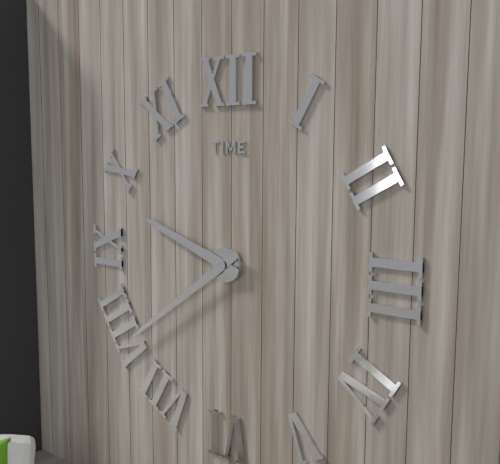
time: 9:39
